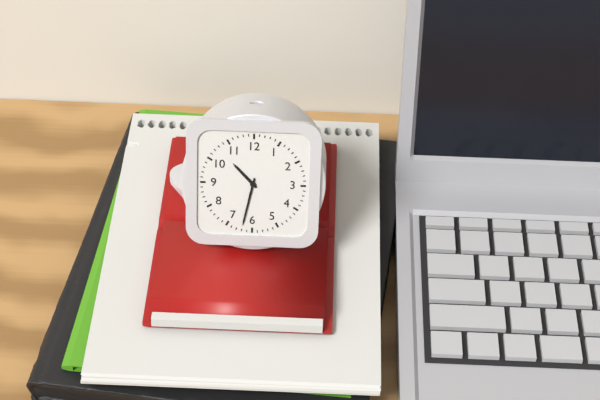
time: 10:32
